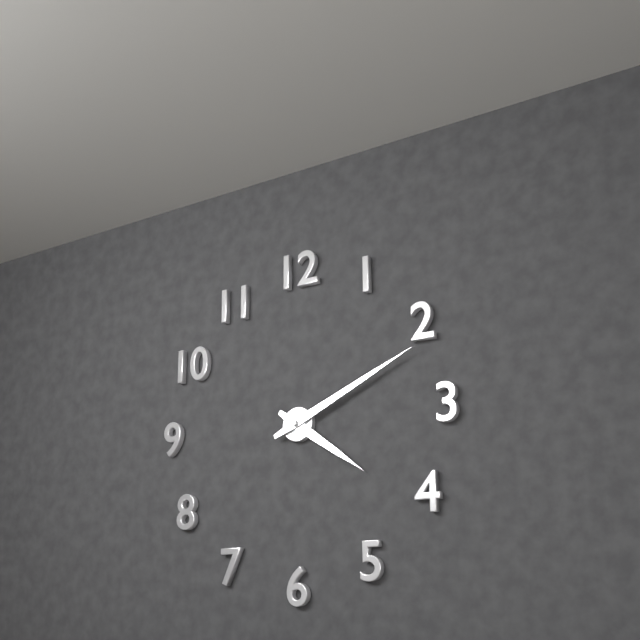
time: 4:11
